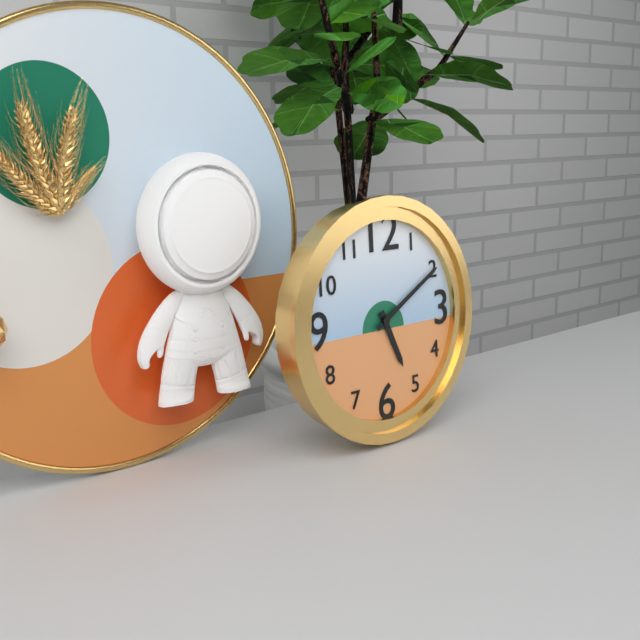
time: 5:10
